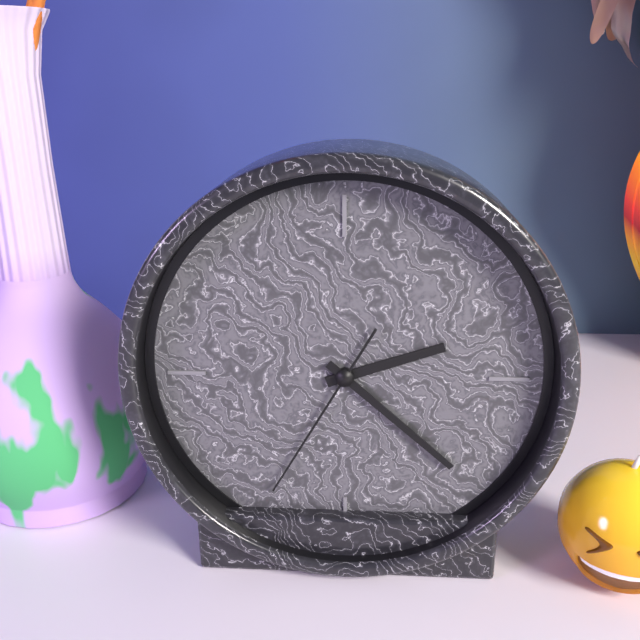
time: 2:22:35
